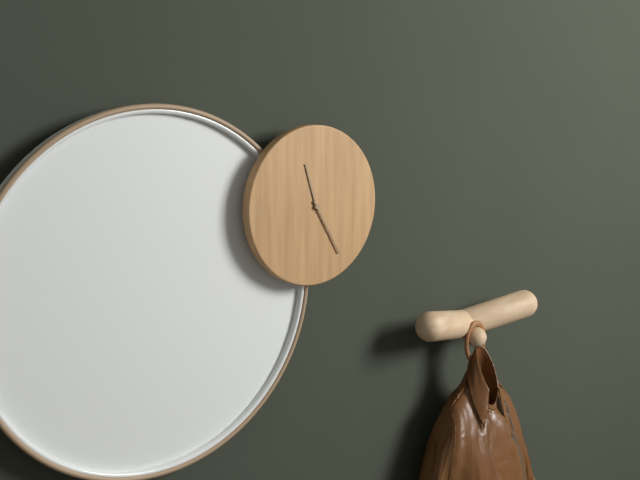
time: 11:25
